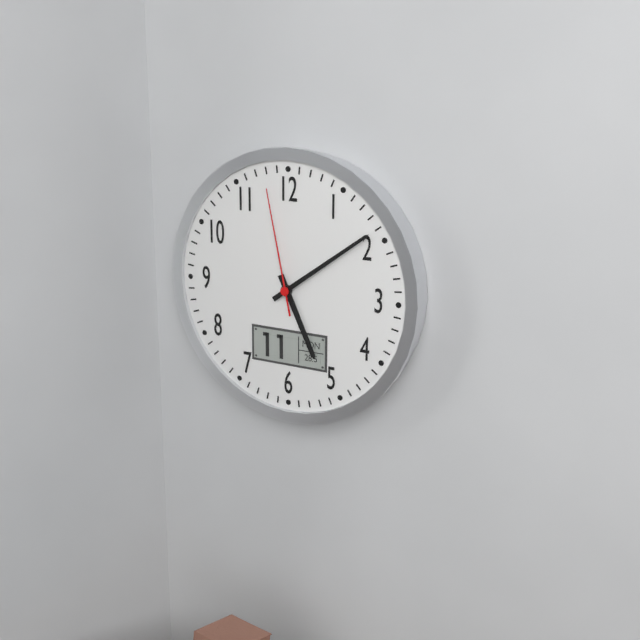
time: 5:09:58
